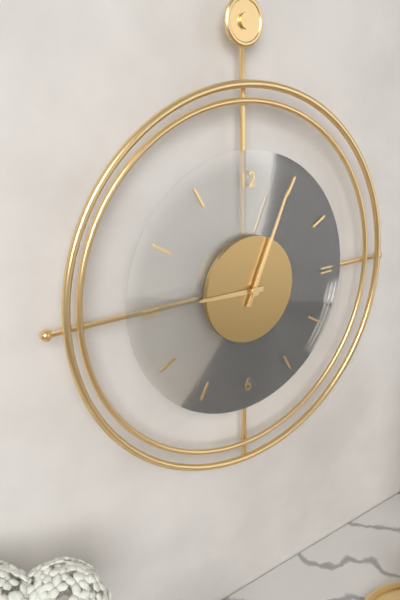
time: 9:04
